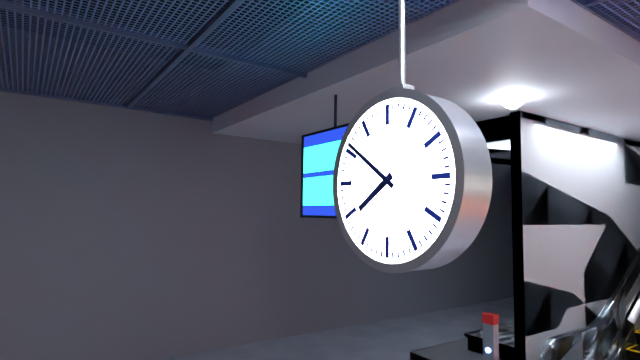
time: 7:51
